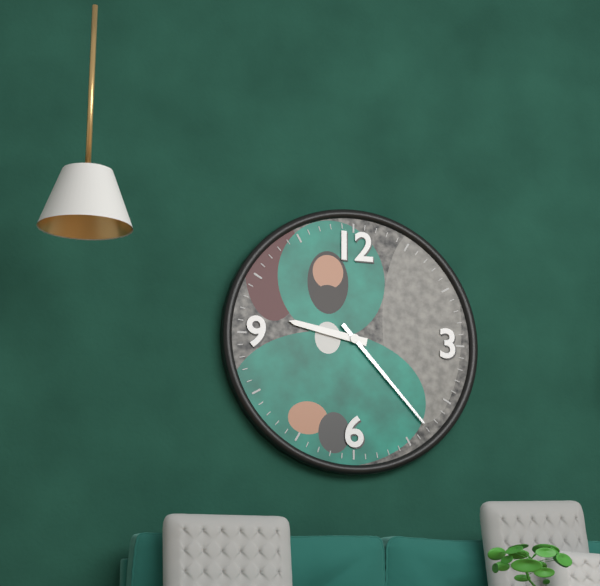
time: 9:23
